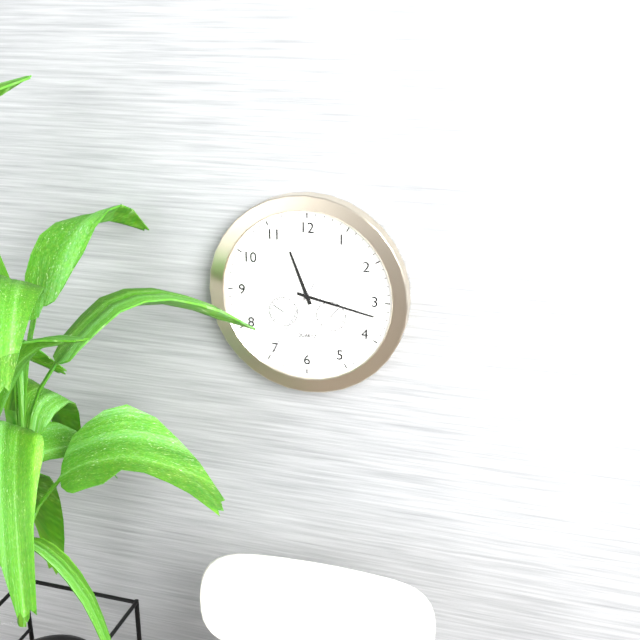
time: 11:17:35
